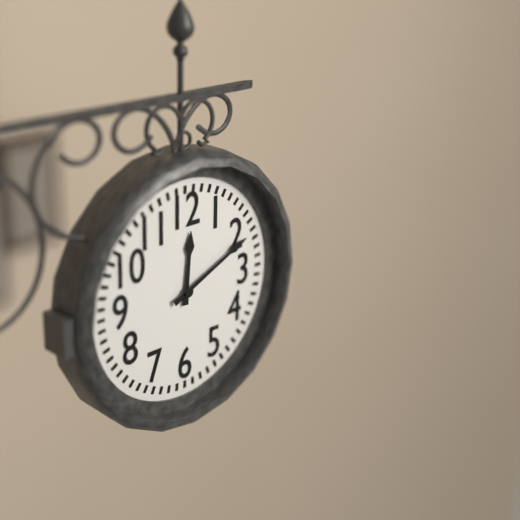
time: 12:11
